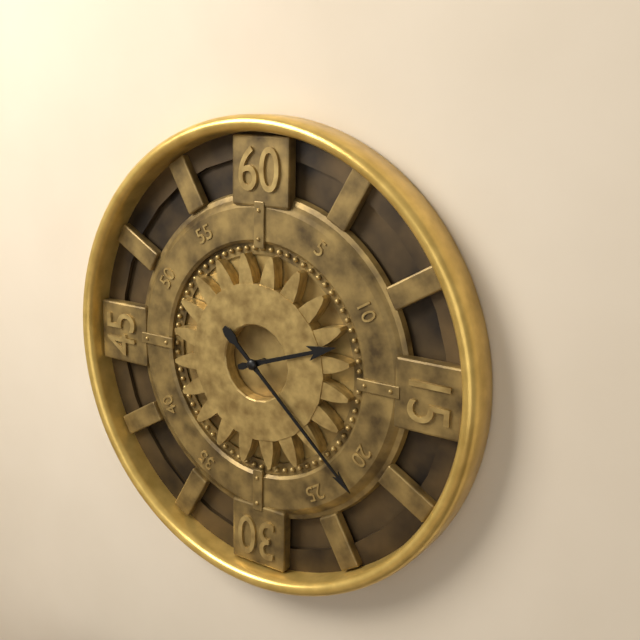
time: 2:22
